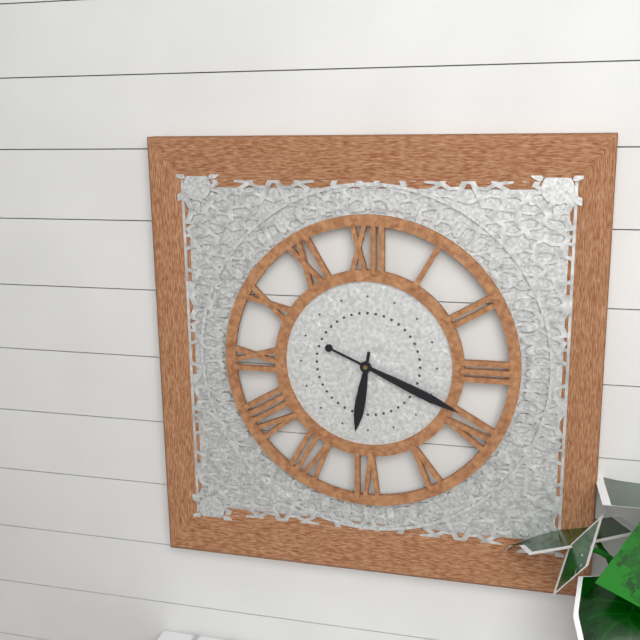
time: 6:19
